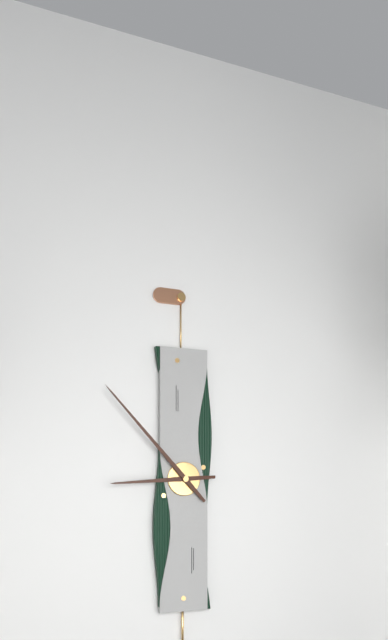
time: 8:53
